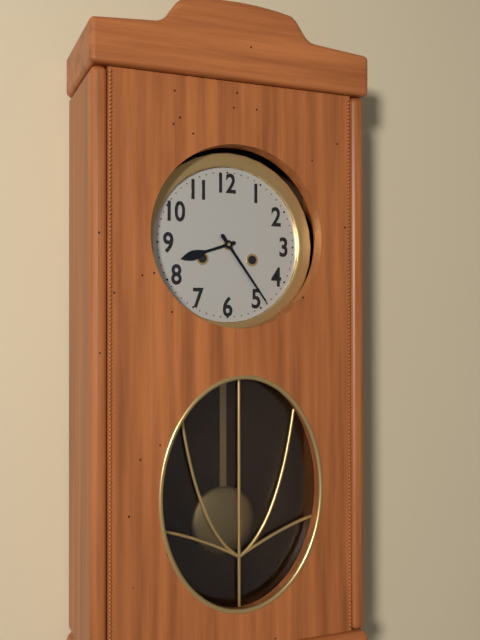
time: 8:24
